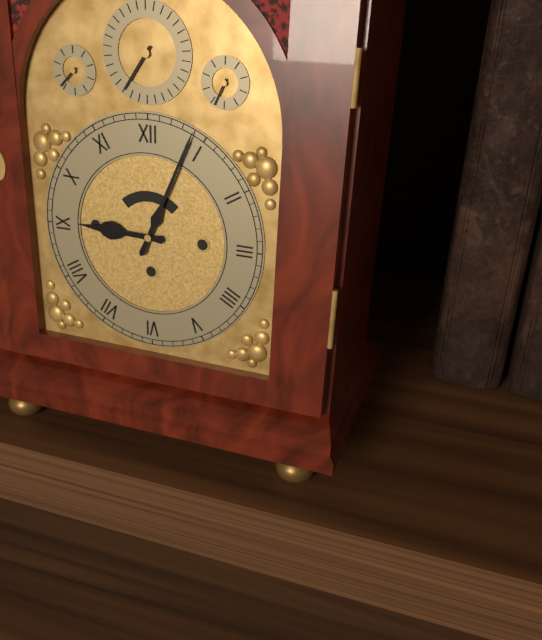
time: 9:04
